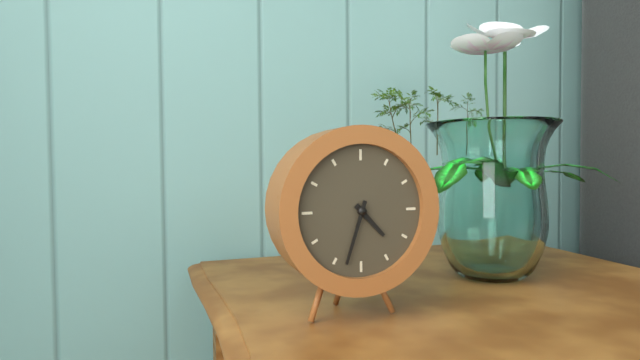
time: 4:33
